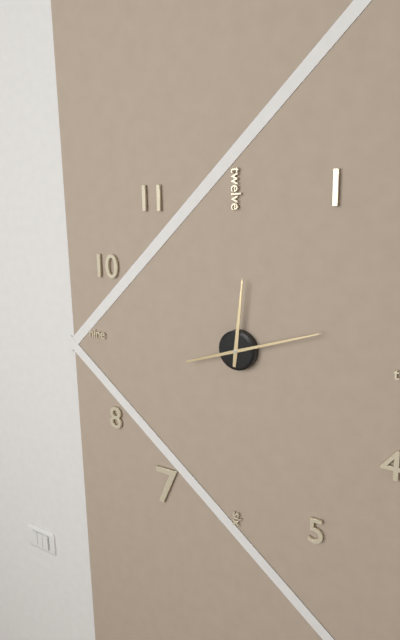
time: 12:12
